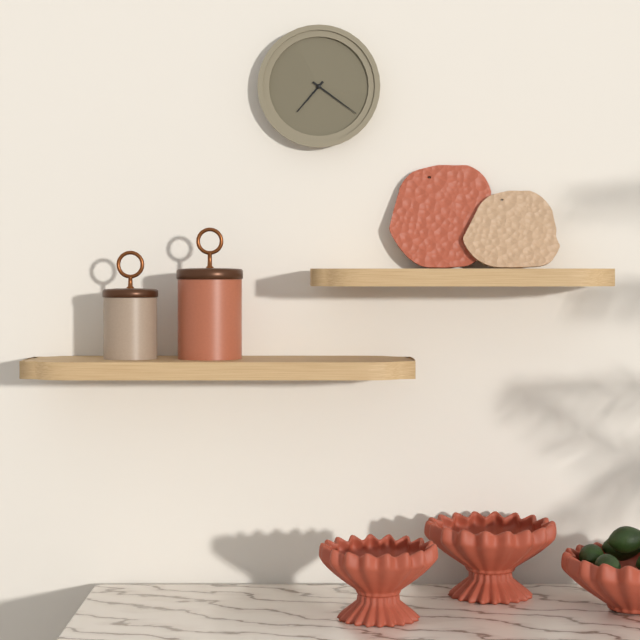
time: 7:21
